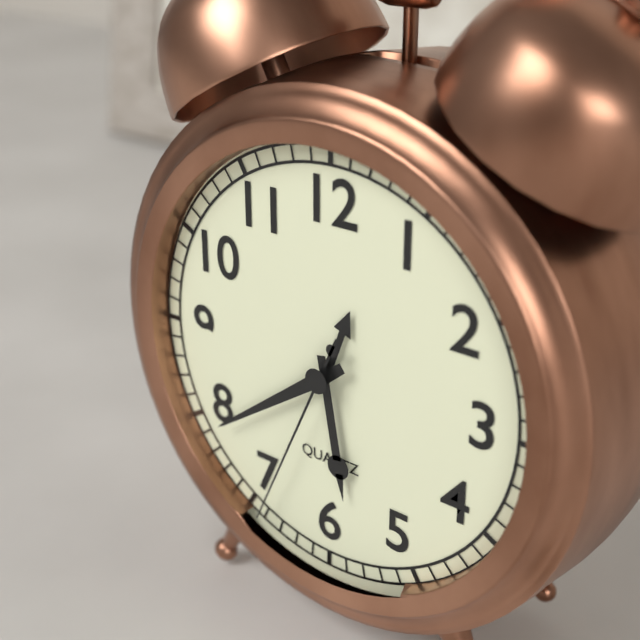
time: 5:39:34
